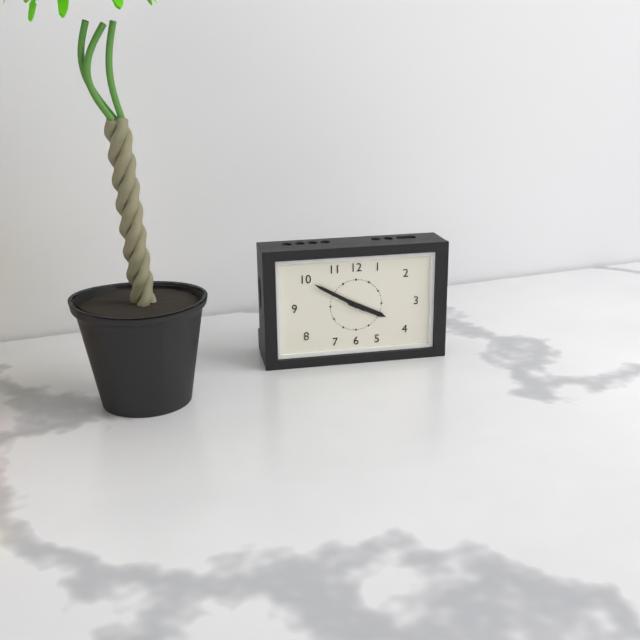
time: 3:50
